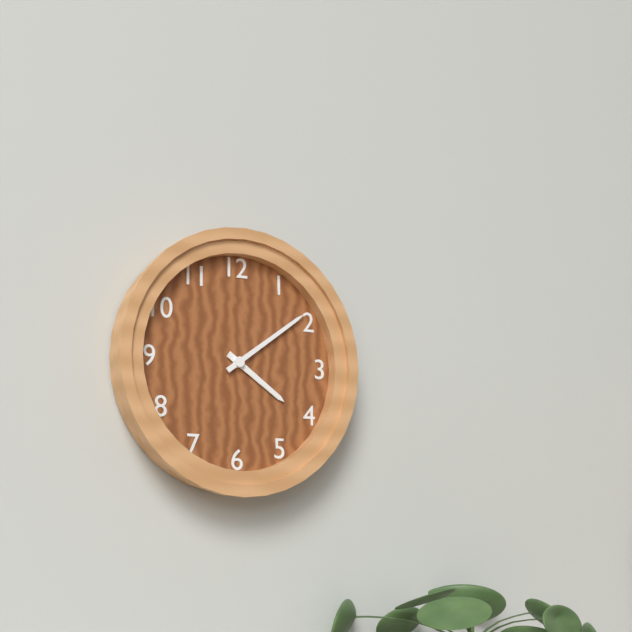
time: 4:09
